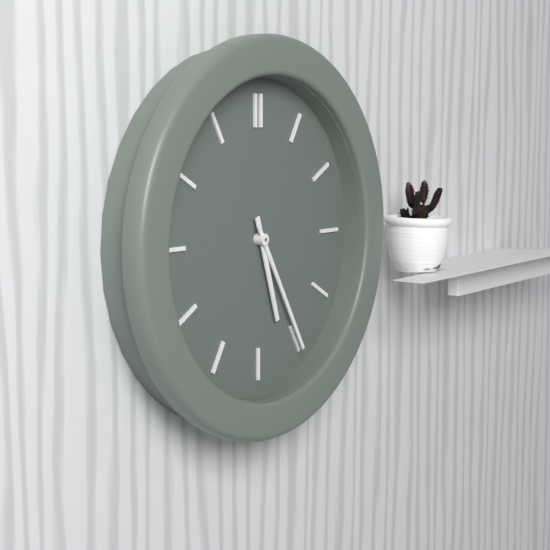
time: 5:25
